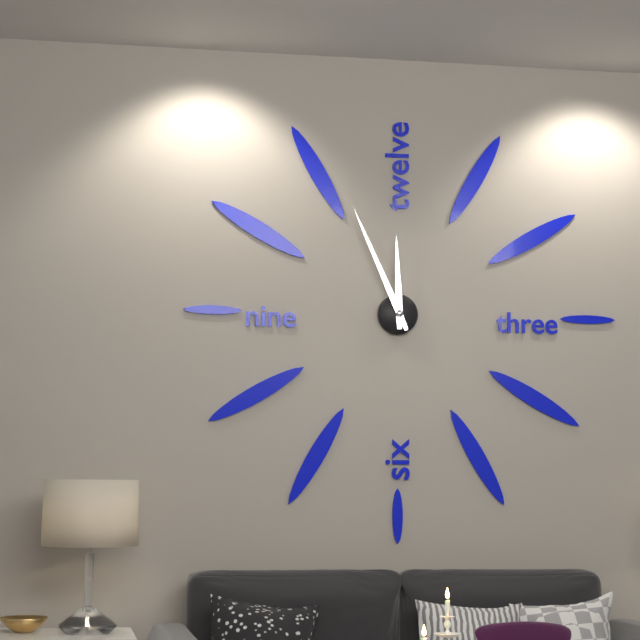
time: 11:56
